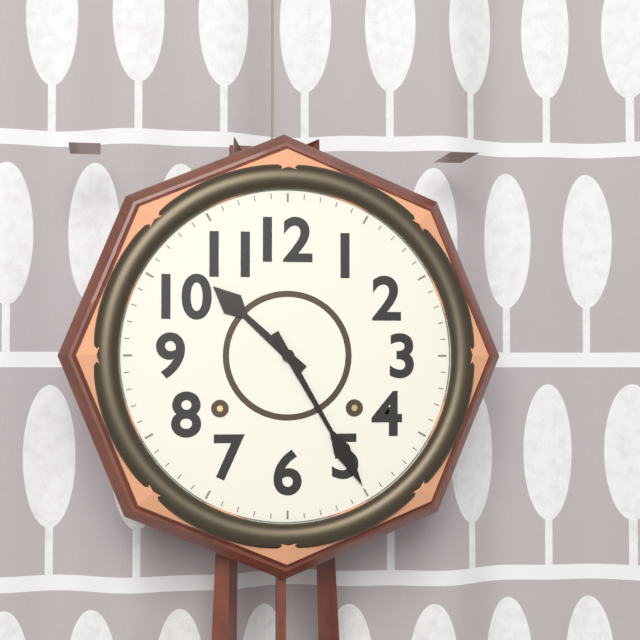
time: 10:25
